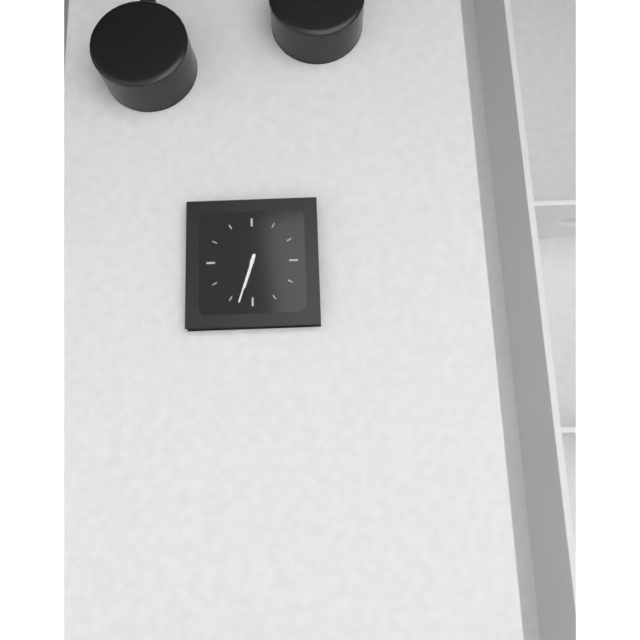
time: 6:33
